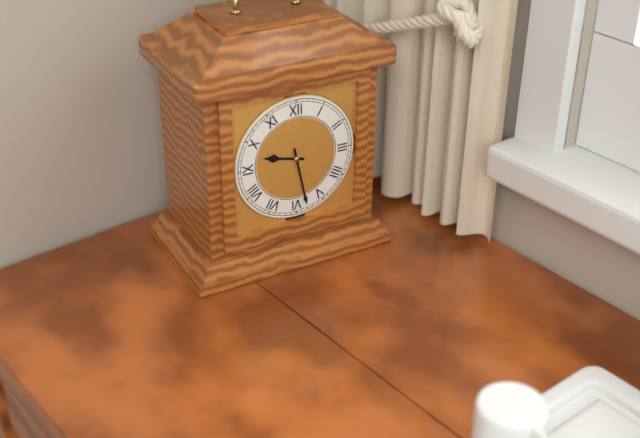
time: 9:28
